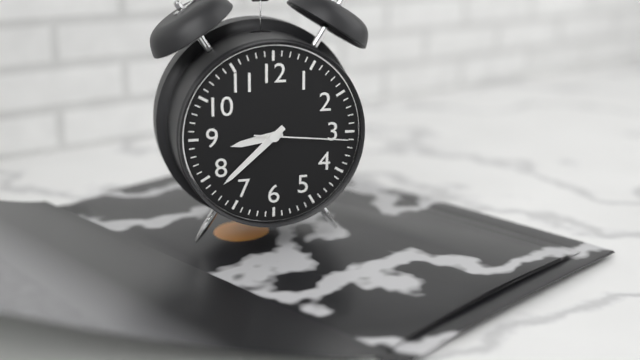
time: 8:38:16
